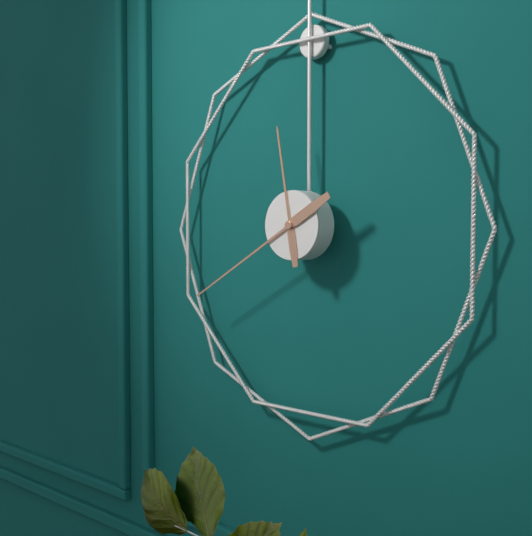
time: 11:40
